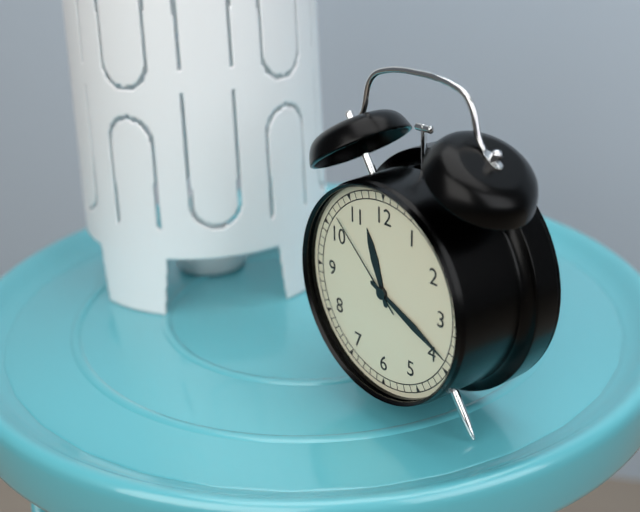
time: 11:19:52
